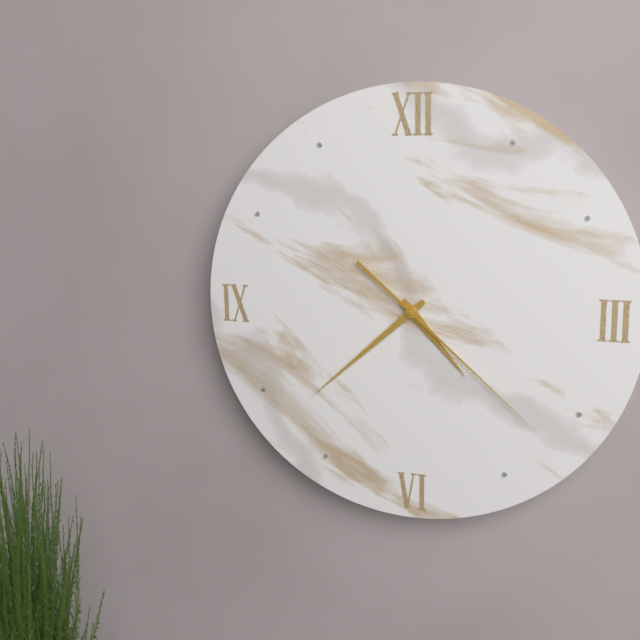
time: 4:38:22
